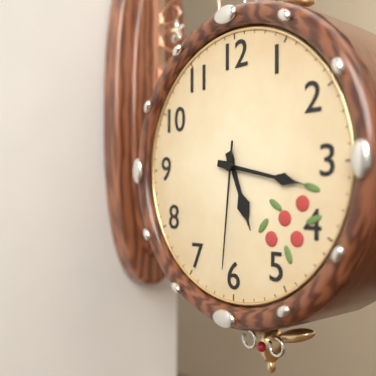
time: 5:17:31
